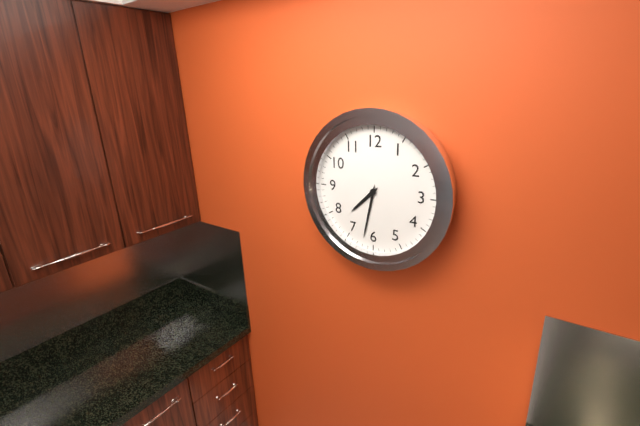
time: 7:32
